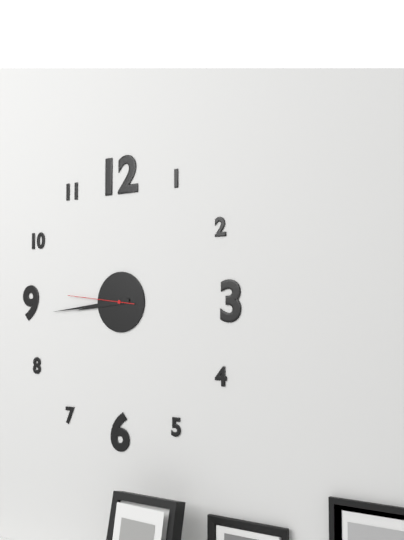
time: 8:44:46
